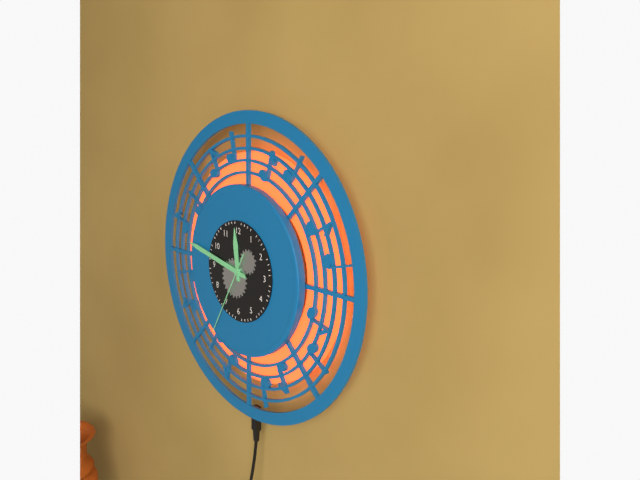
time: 11:47:35
